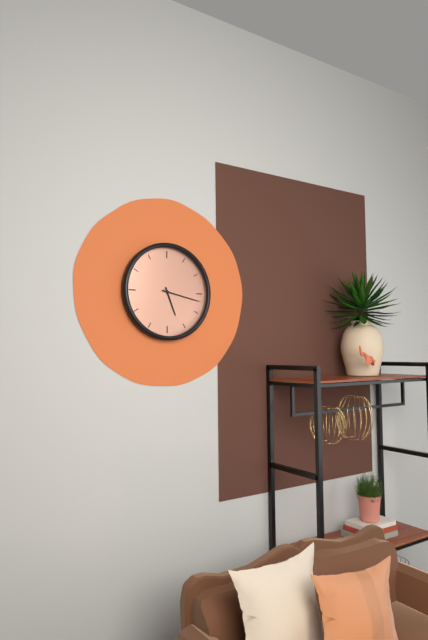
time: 5:17
